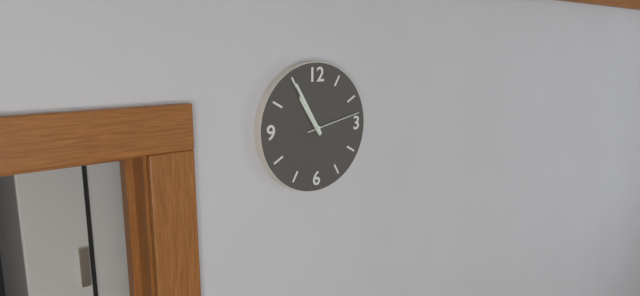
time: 10:55:13
